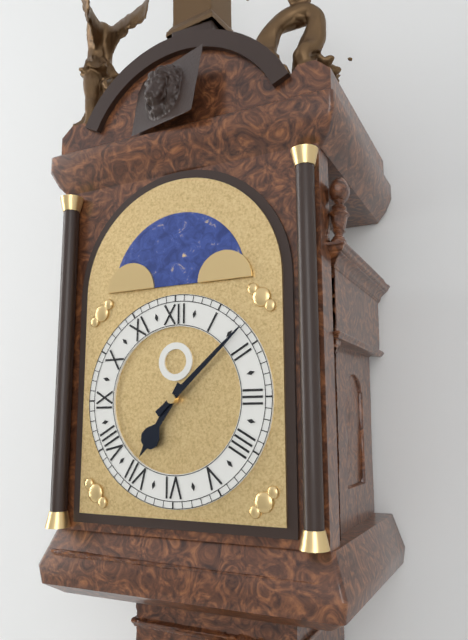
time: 7:08
